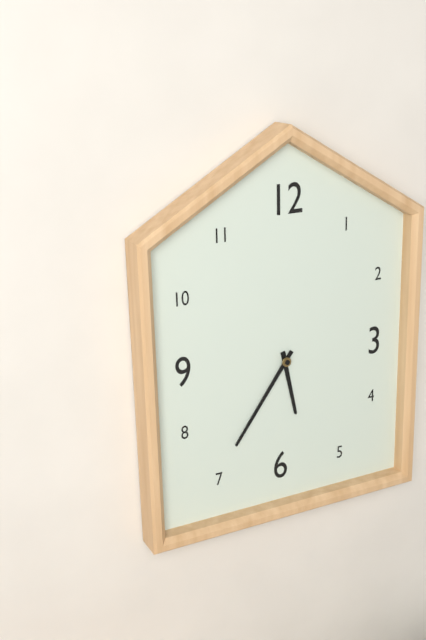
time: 5:36
